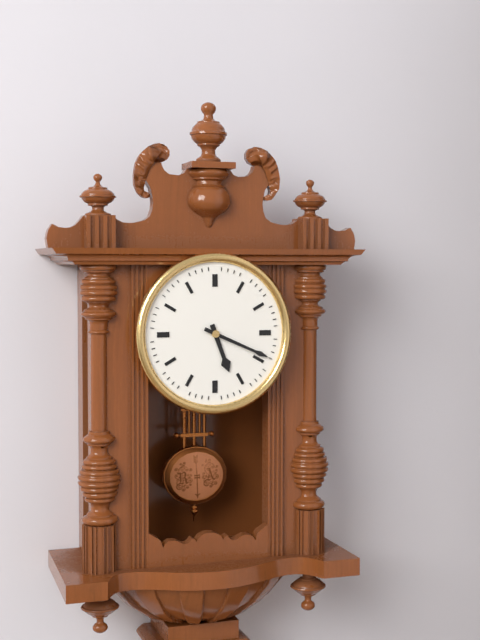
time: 5:19
